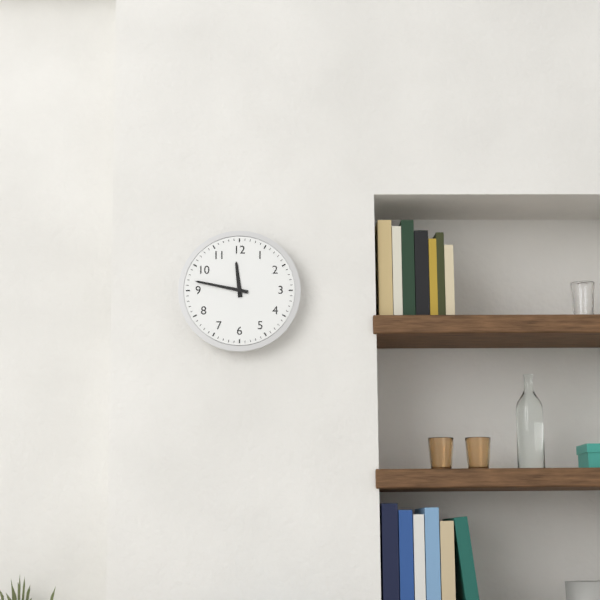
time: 11:47
